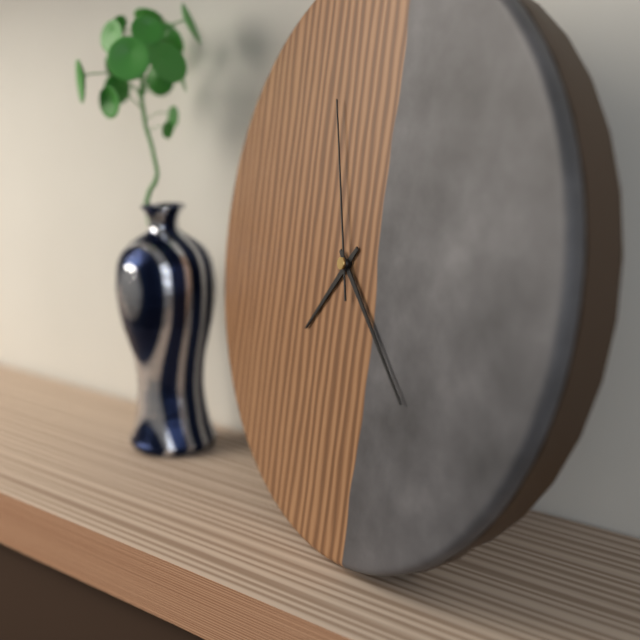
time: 7:22:57
